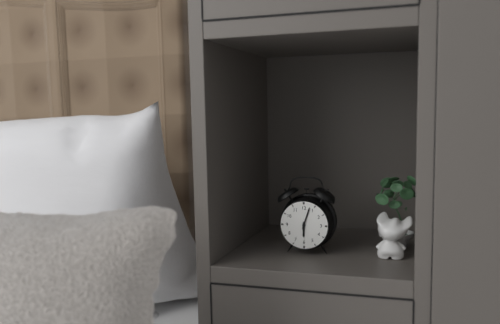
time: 6:03
